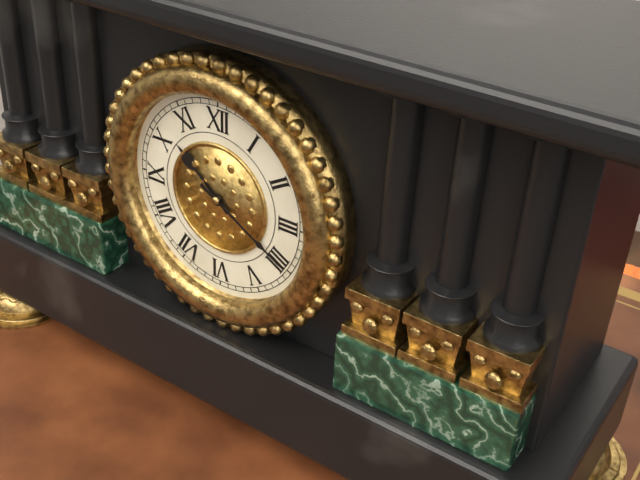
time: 10:20
